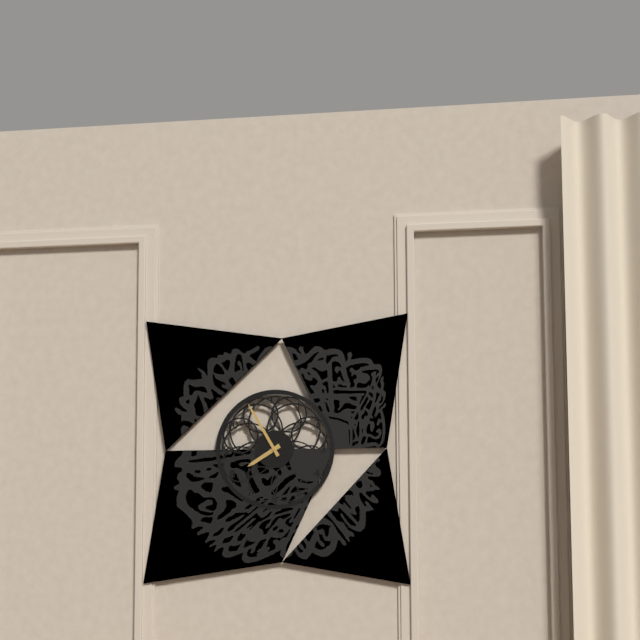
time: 7:55
